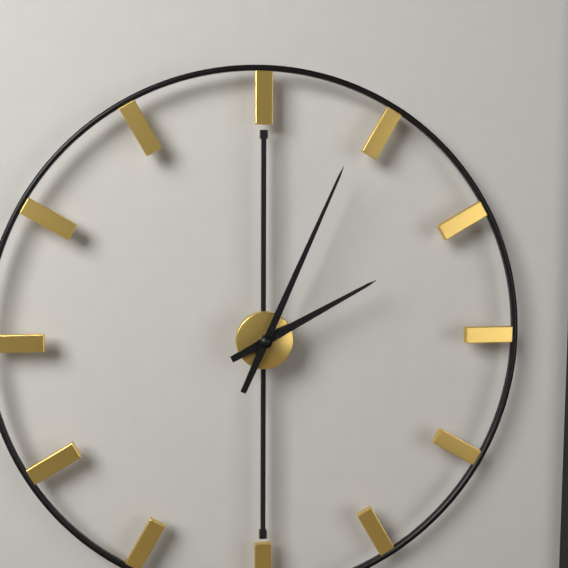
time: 2:04
